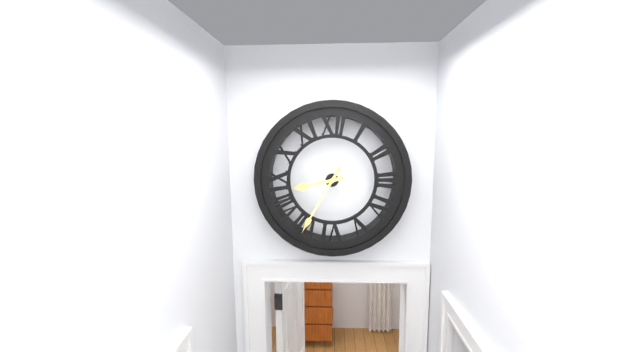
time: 8:35
